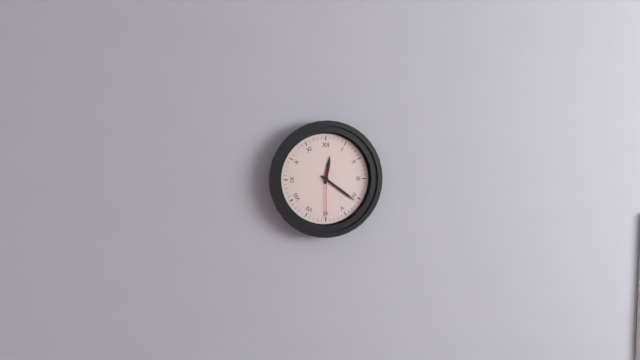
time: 12:21:30
